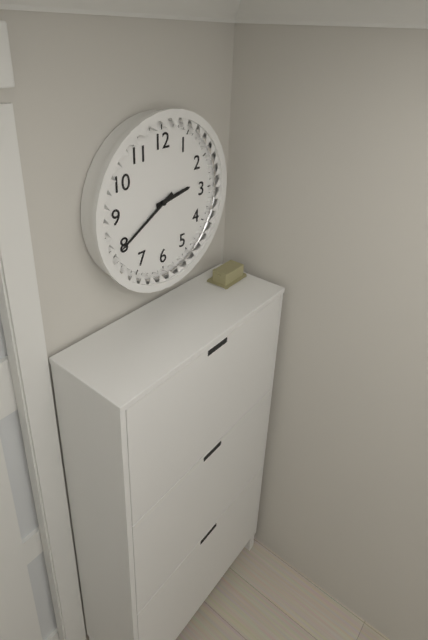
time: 2:40
